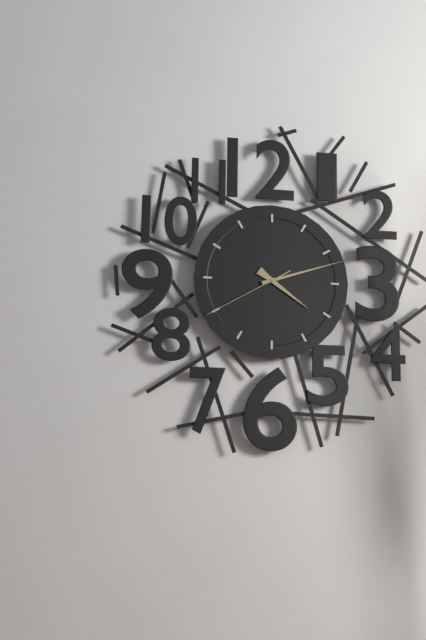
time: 4:12:40
